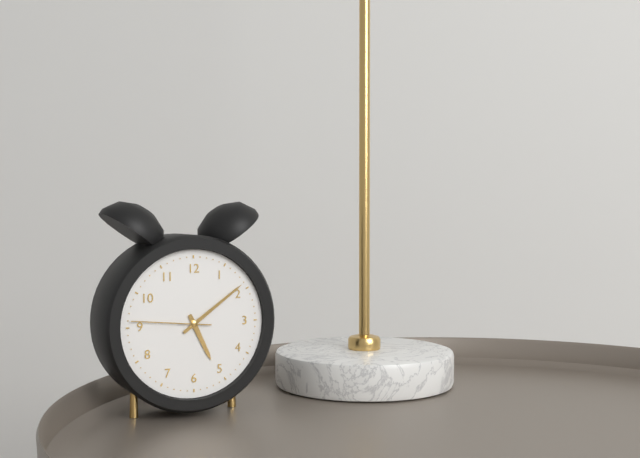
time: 5:09:46
